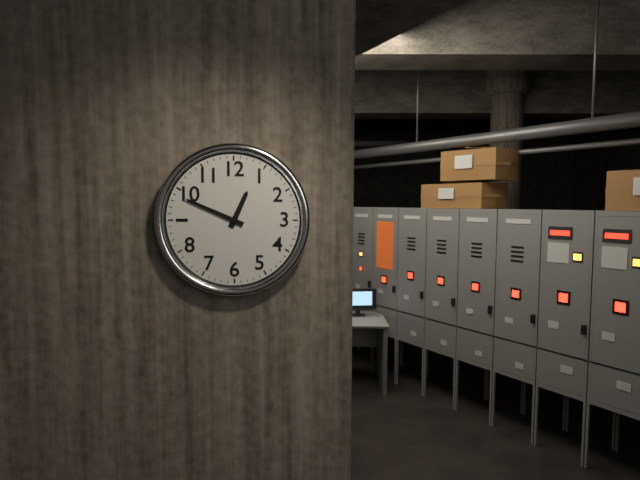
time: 12:49
